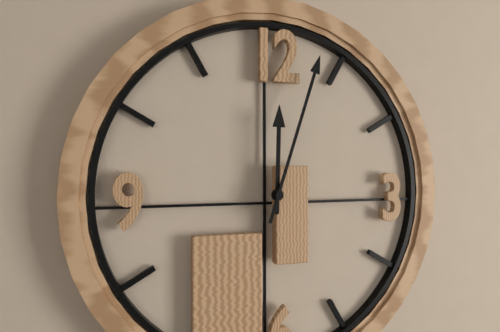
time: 12:03
